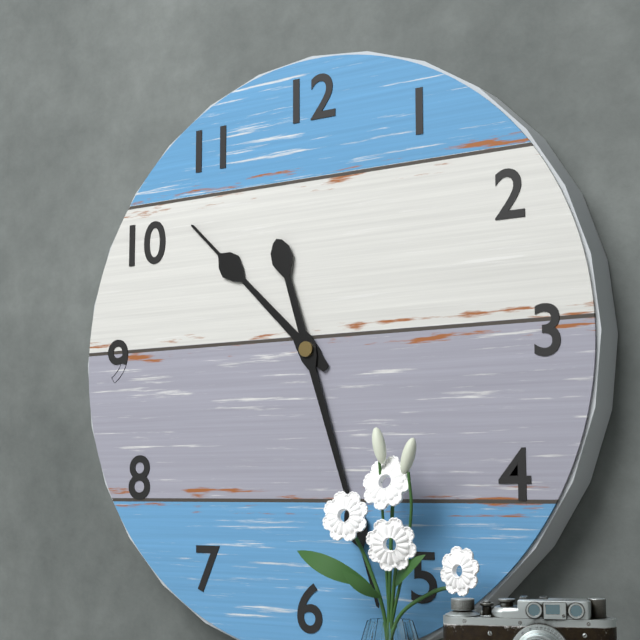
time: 10:27
